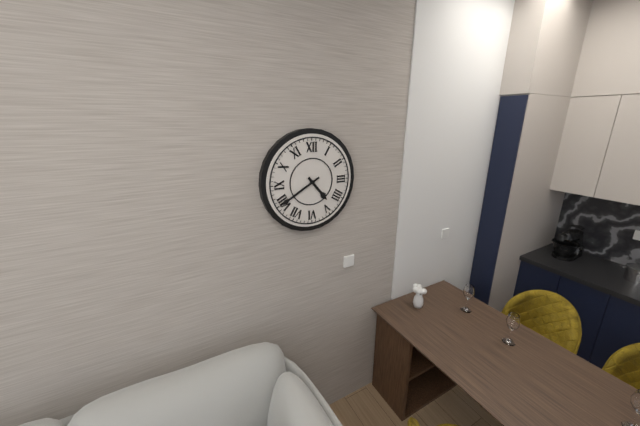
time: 4:40
